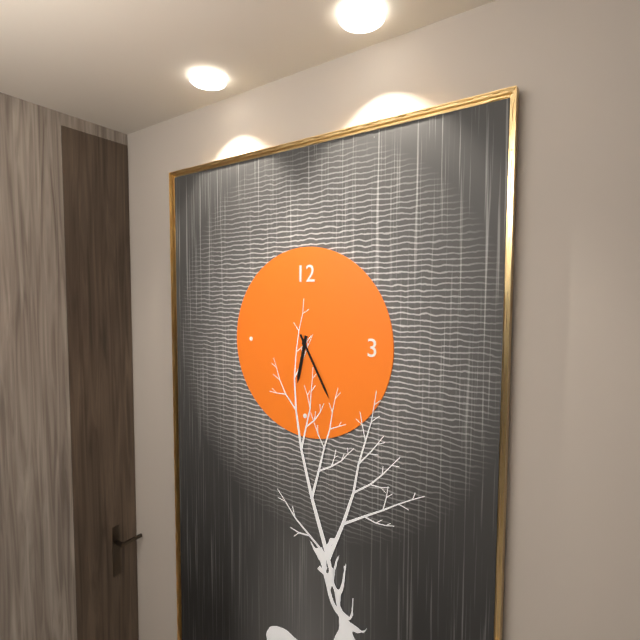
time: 6:25
